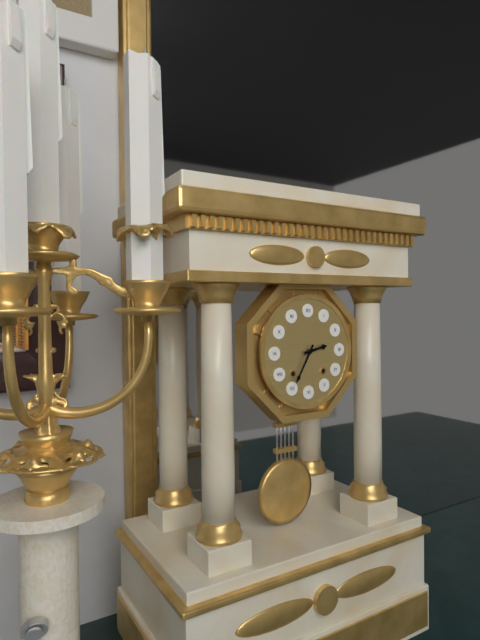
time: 2:35
